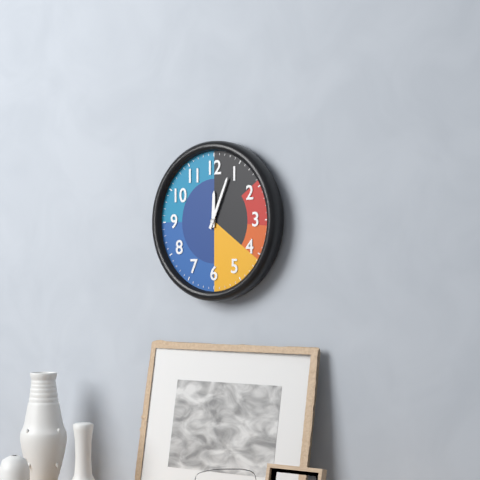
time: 12:04
